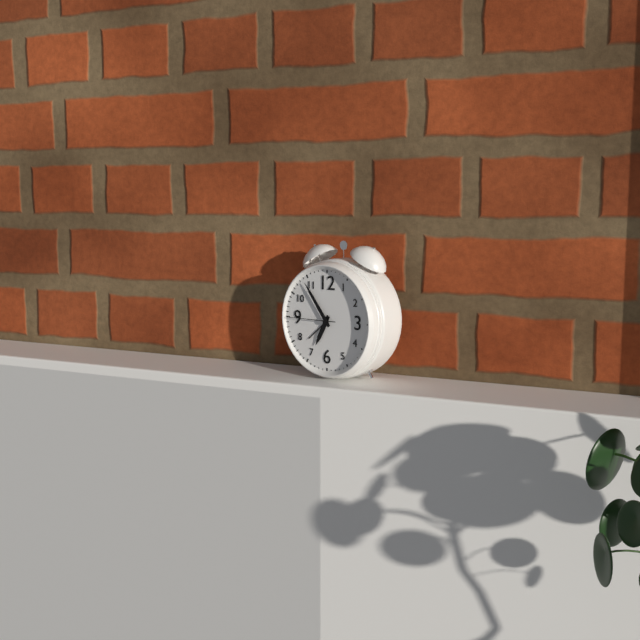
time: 6:54
